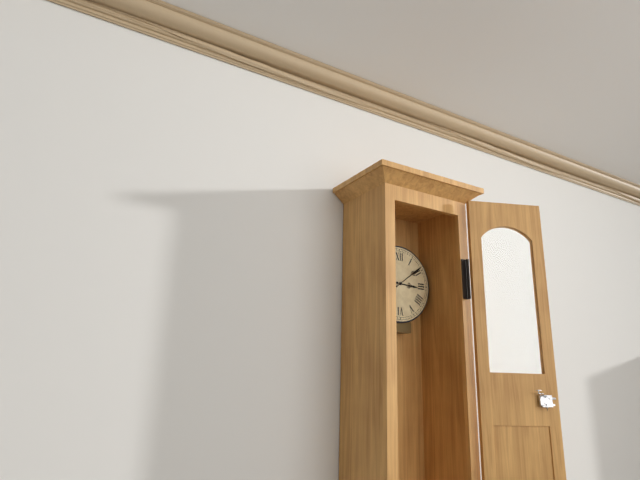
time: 3:09
